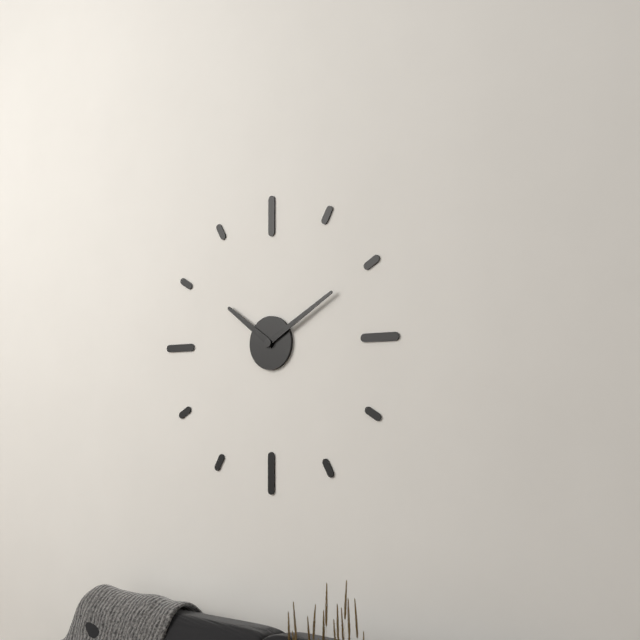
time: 10:10
